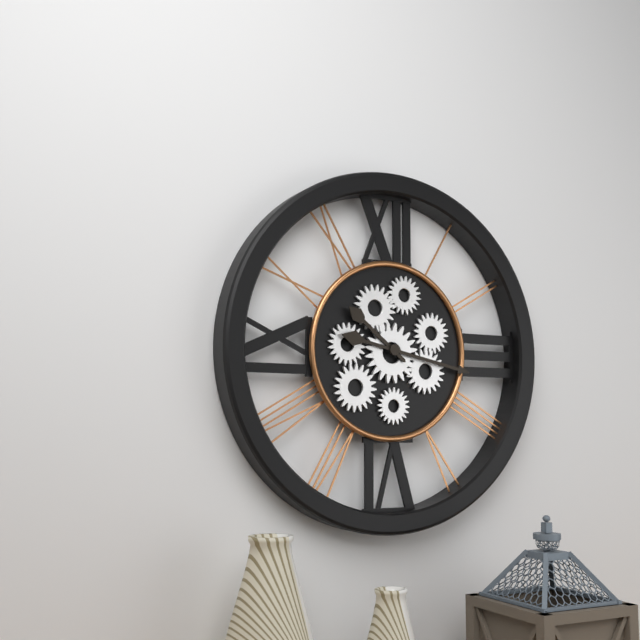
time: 10:17
